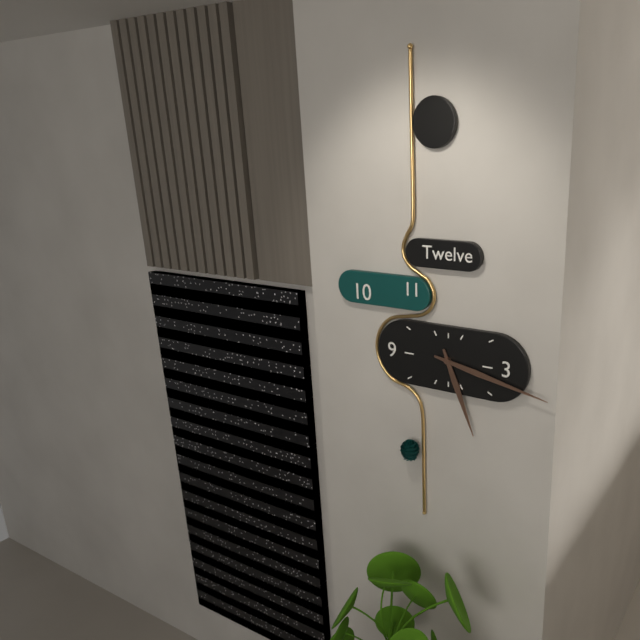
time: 5:17
